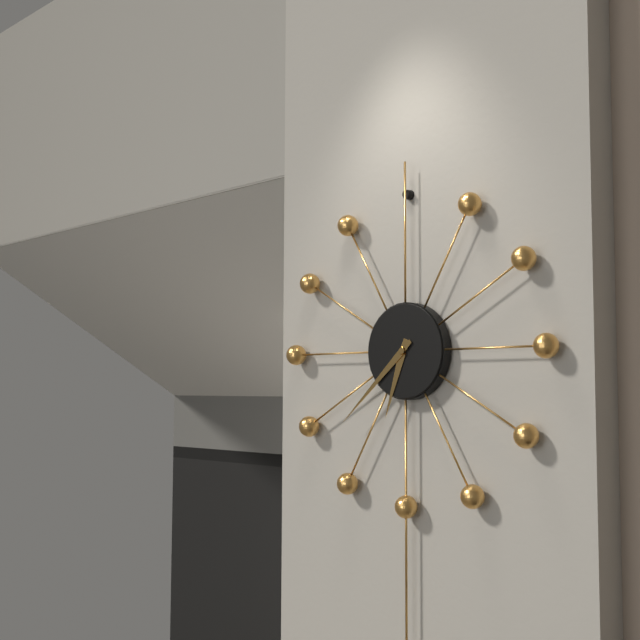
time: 6:38
